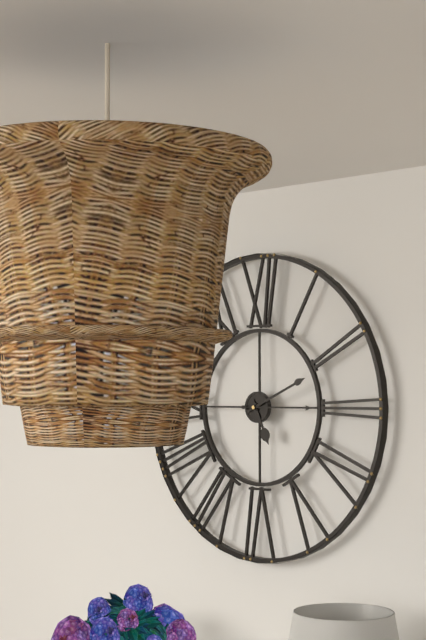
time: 5:11:15
